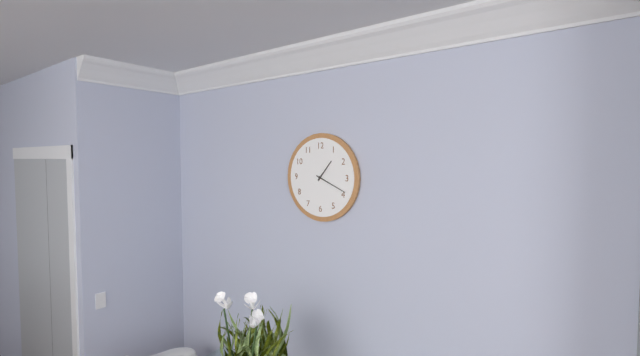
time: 1:19
